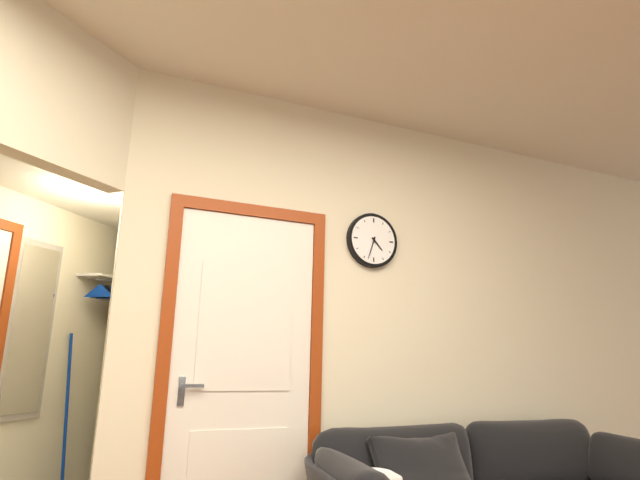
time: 4:33
